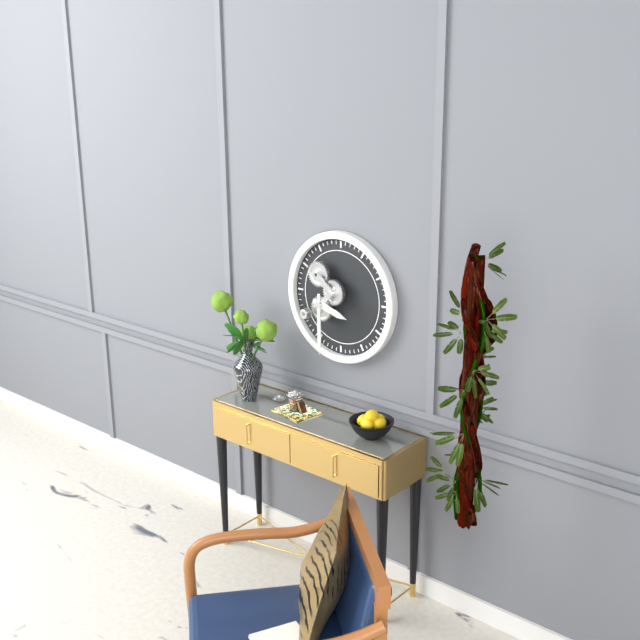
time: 3:30
